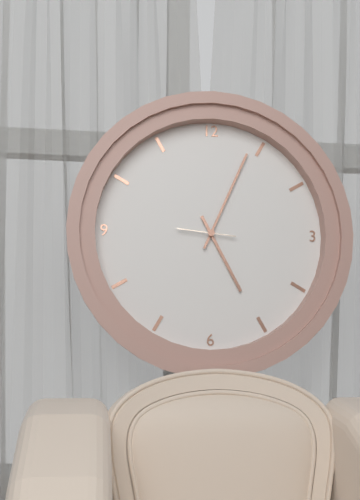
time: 5:04
